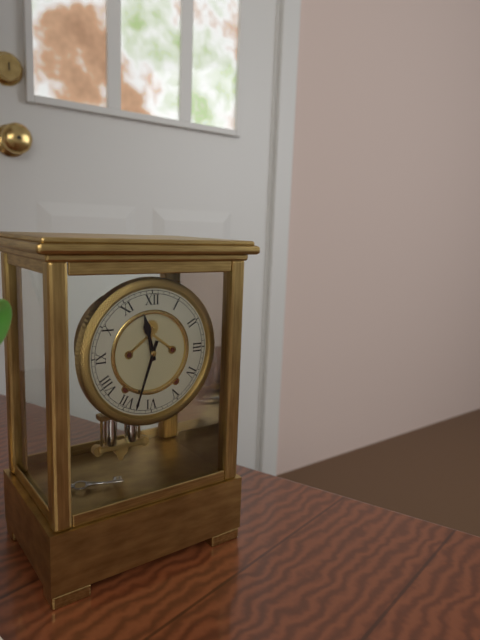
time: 11:33
